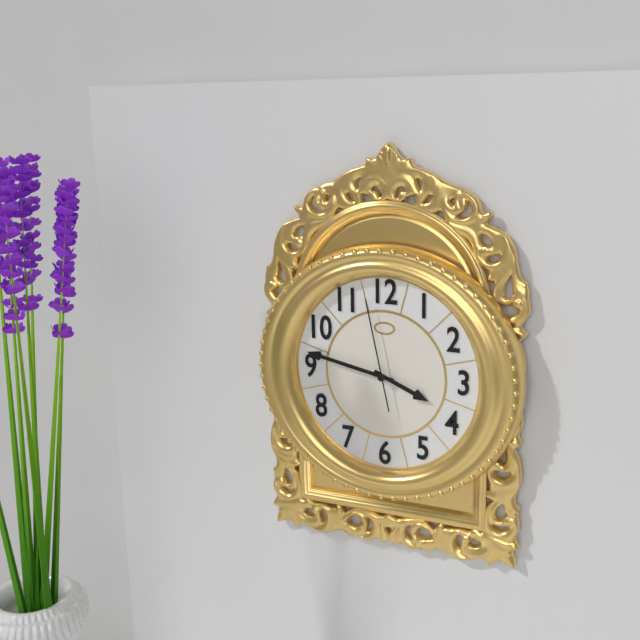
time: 3:47:58
